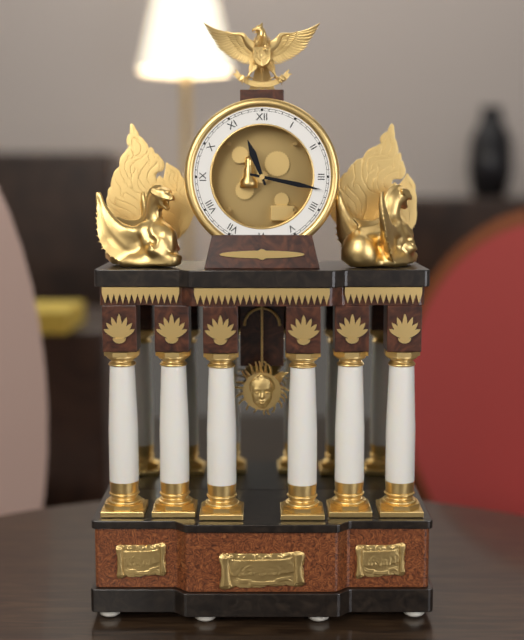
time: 11:17
